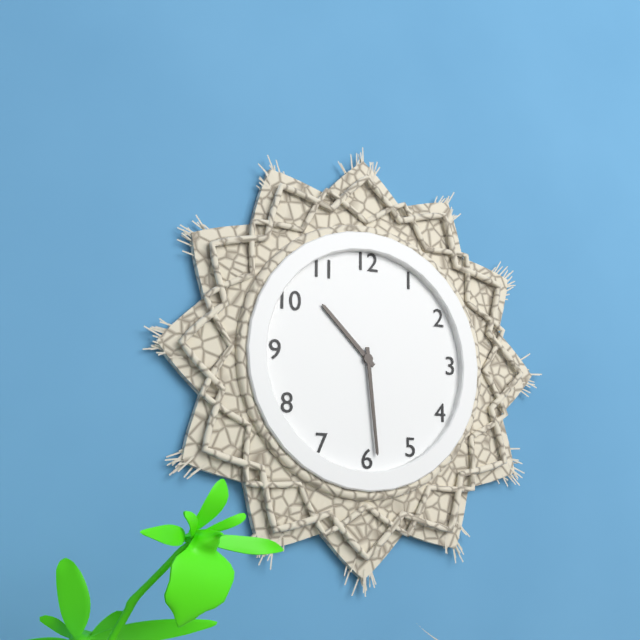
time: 10:29
